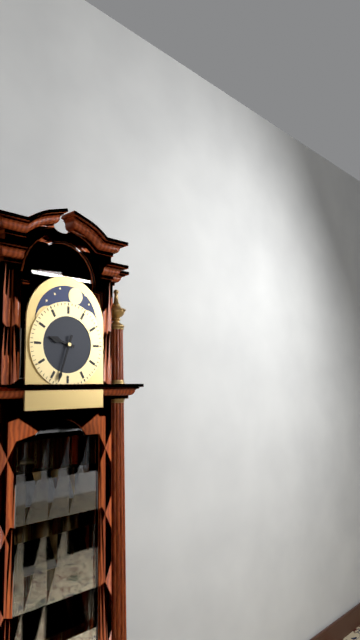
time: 9:33
